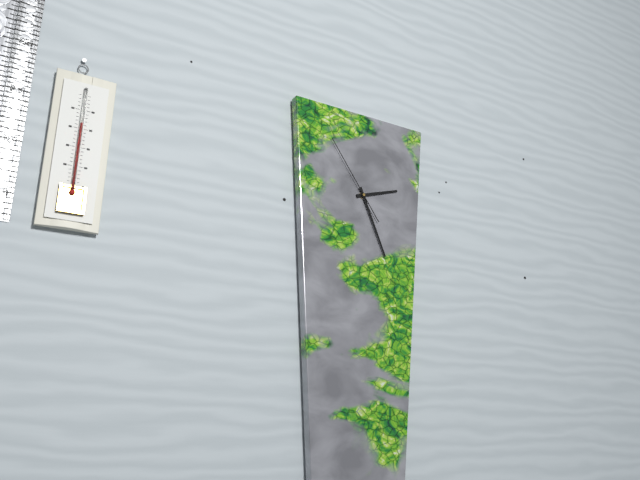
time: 2:26:54
